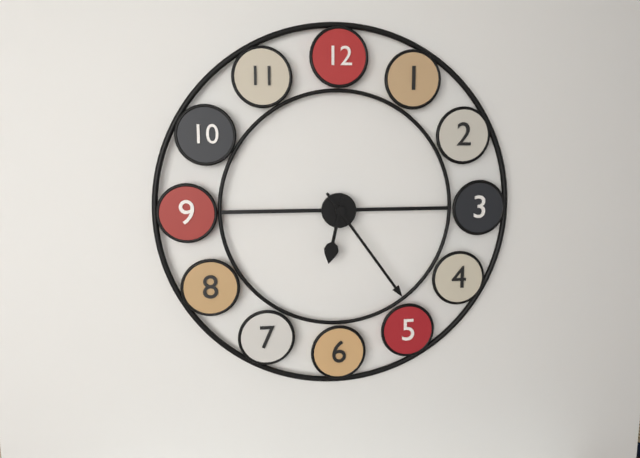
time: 6:24
